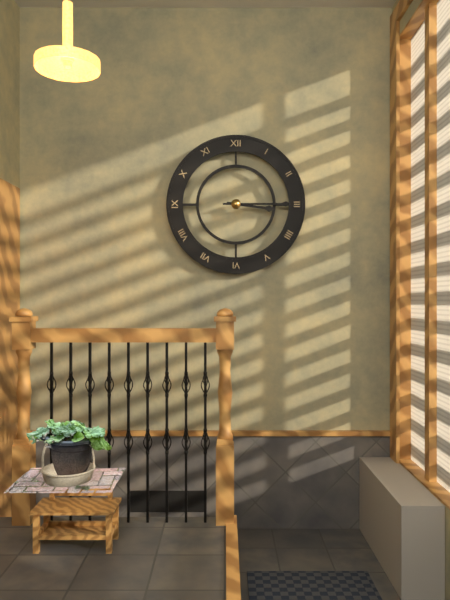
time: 3:15
